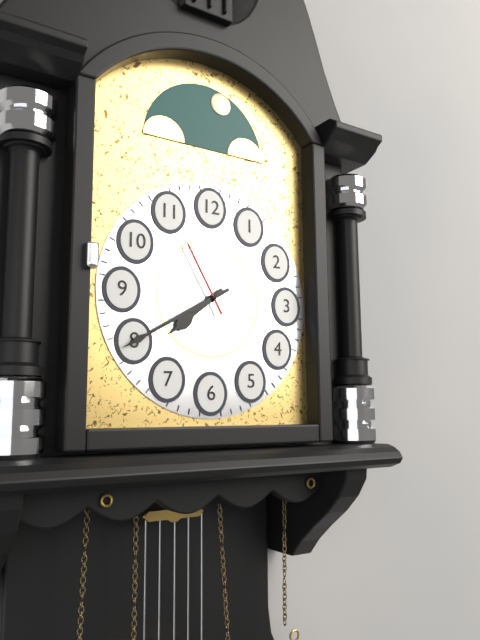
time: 7:40:55
